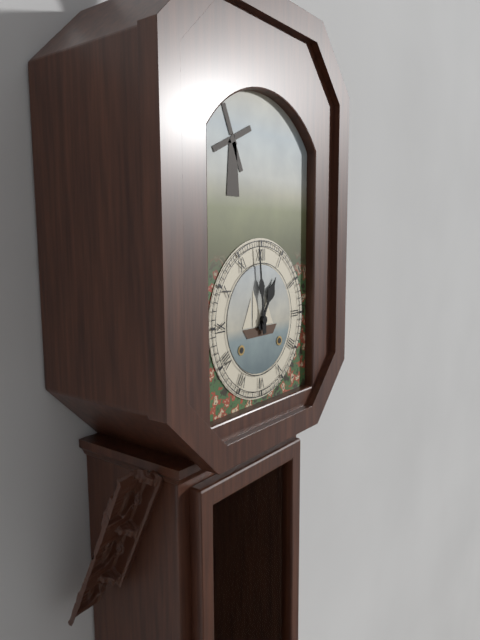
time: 12:59
